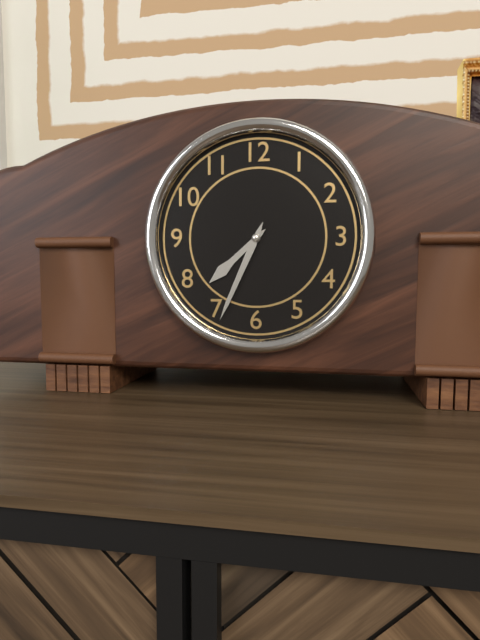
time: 7:34
